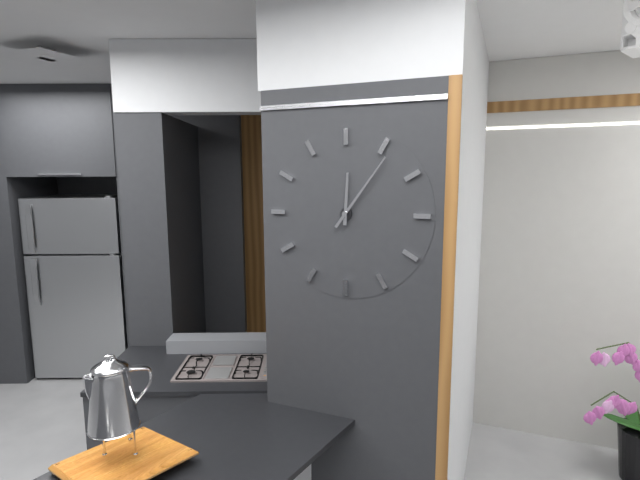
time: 12:06
